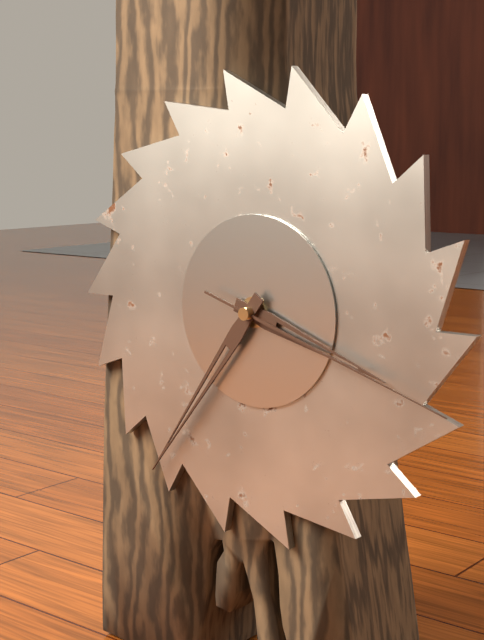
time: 3:36:18
